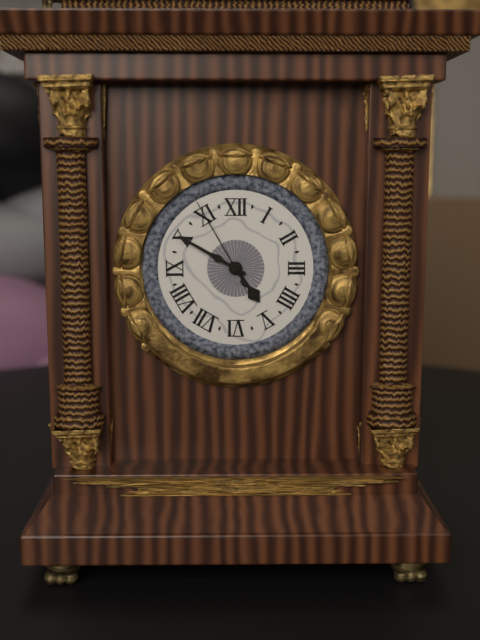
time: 4:50:55
